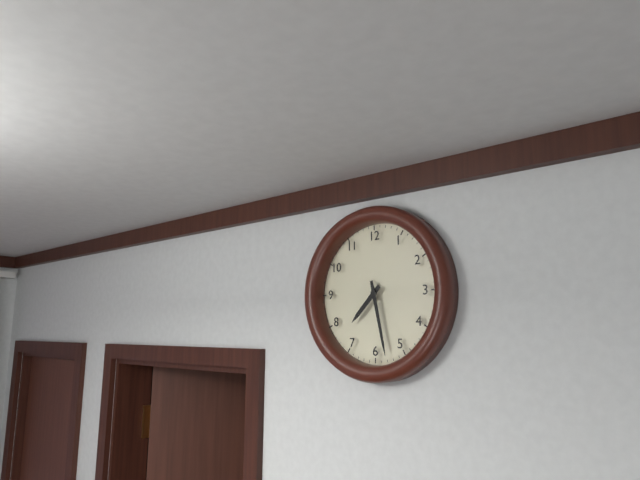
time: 7:28
